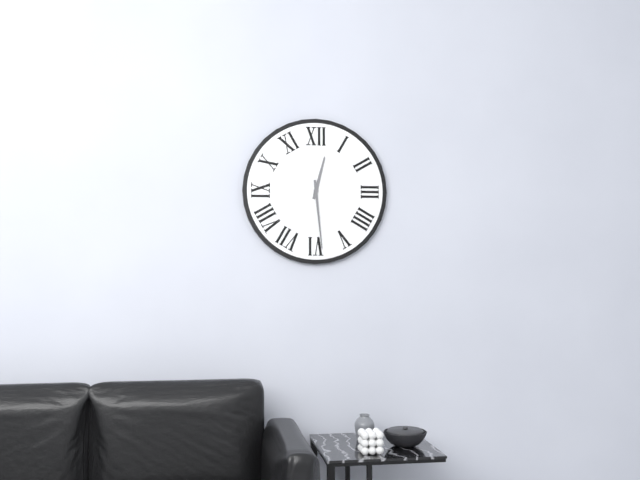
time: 12:29
